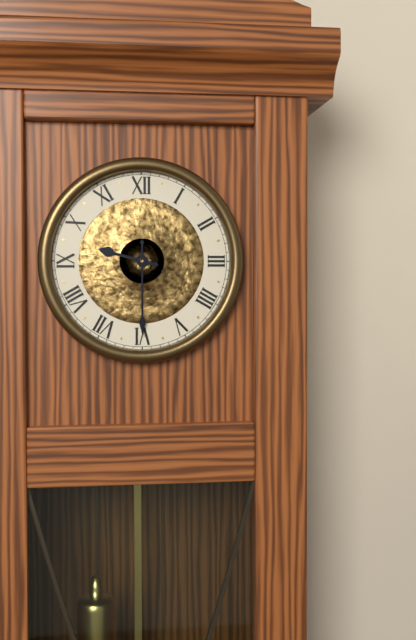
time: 9:30
